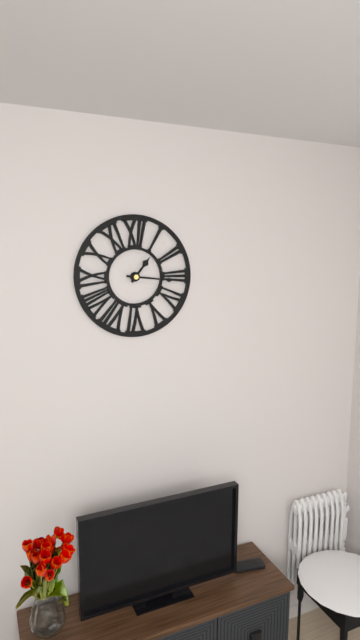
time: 1:16
